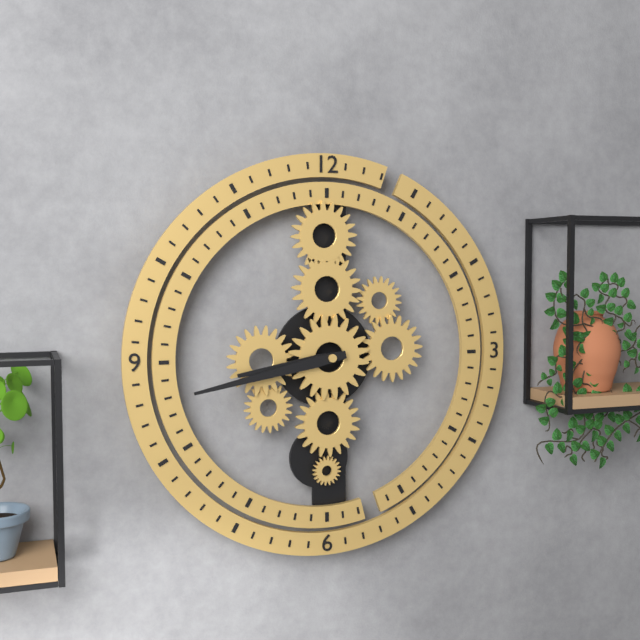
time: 8:43
